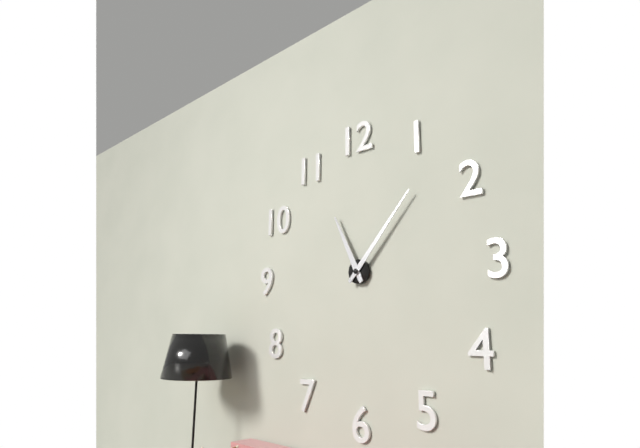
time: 11:07
